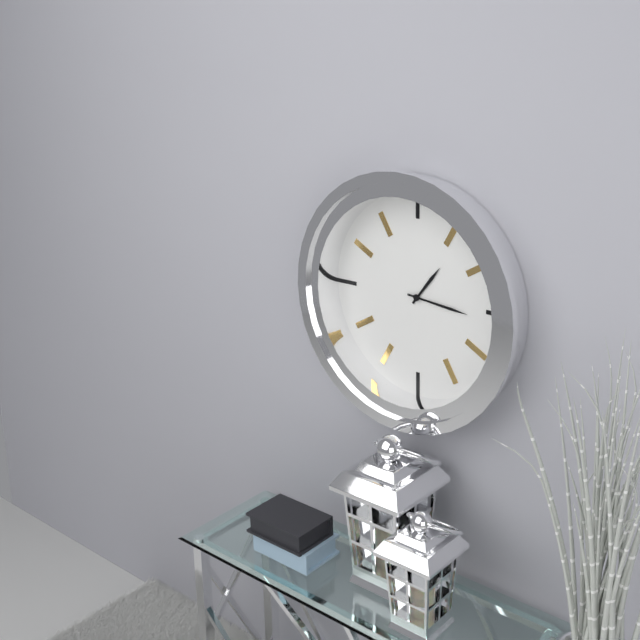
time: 1:16
